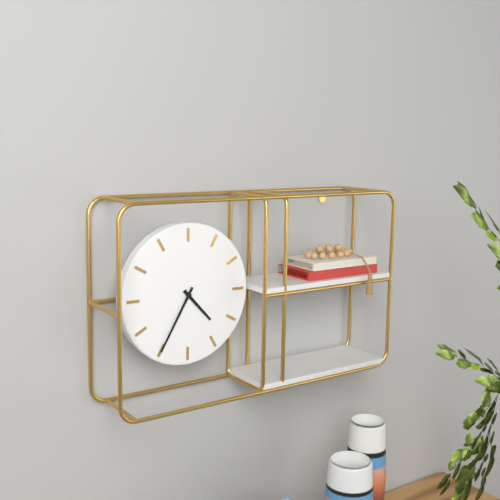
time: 4:35
